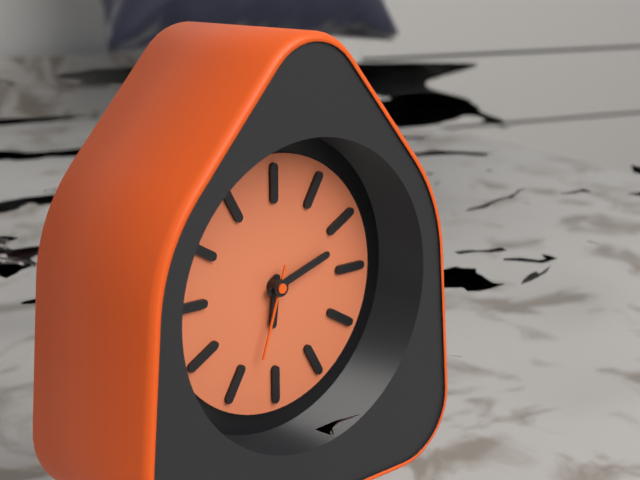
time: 6:12:33
